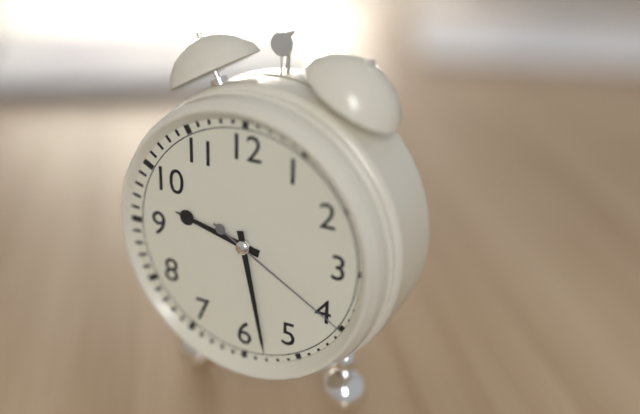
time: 9:28:20
